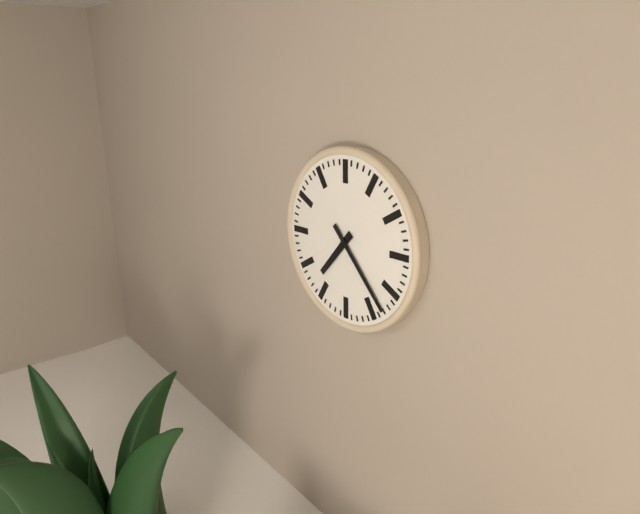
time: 7:23
